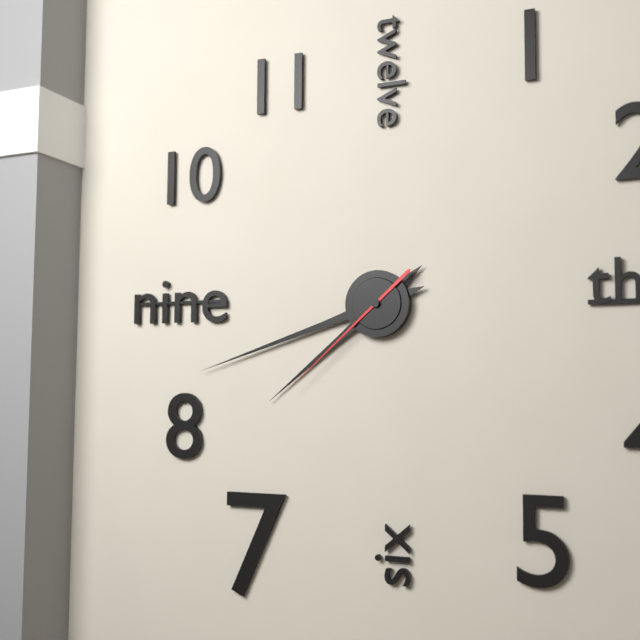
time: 7:42:38
